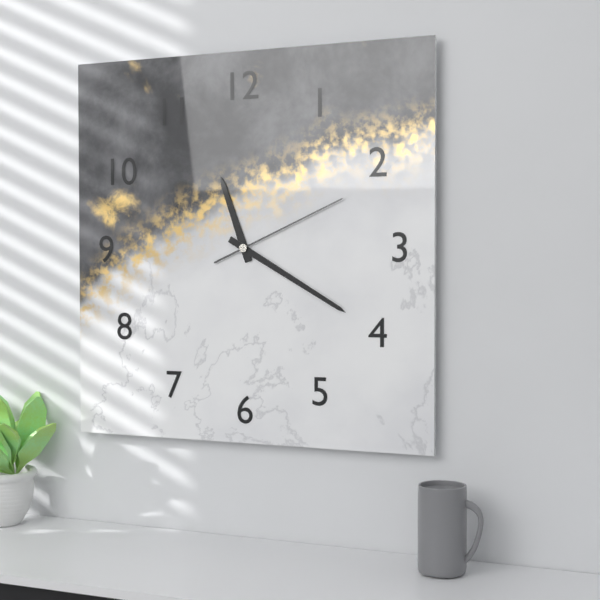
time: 11:20:11
